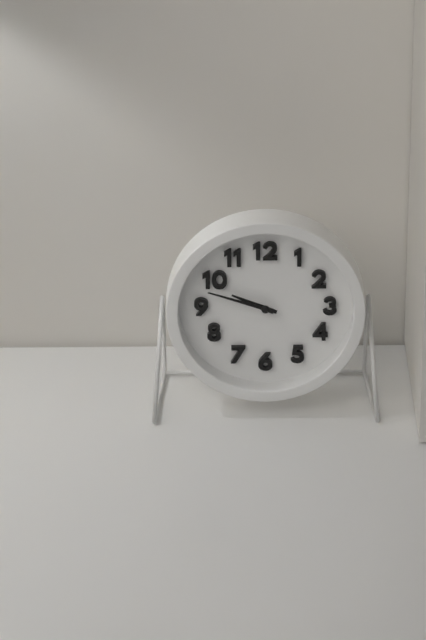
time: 9:48
